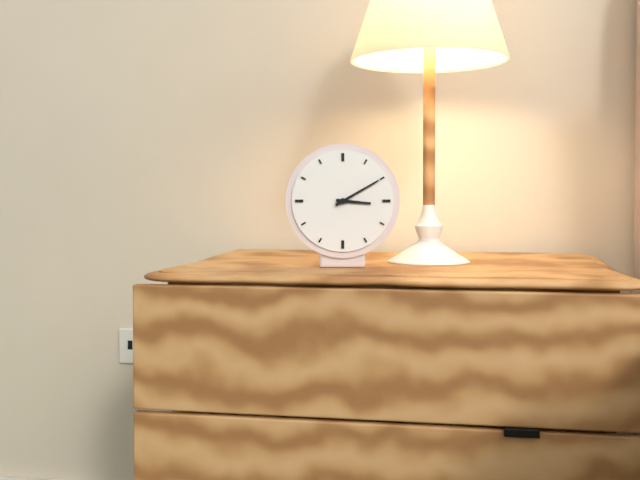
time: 3:10
